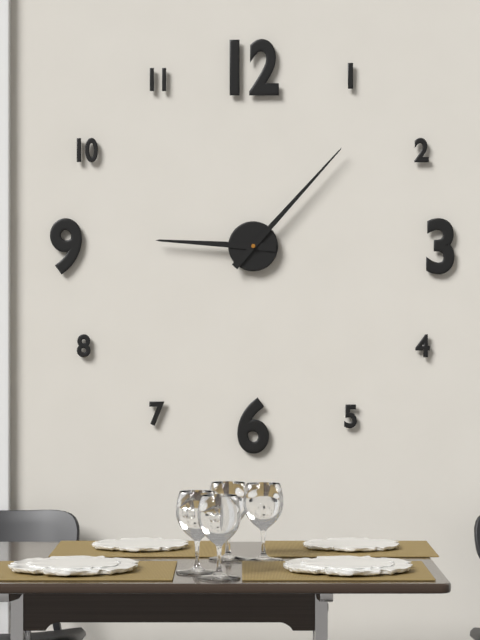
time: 9:07
